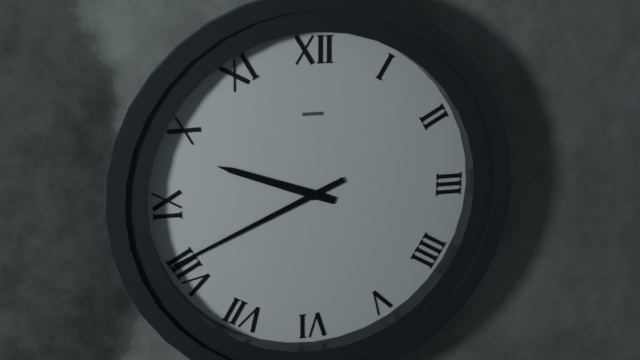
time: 9:41
